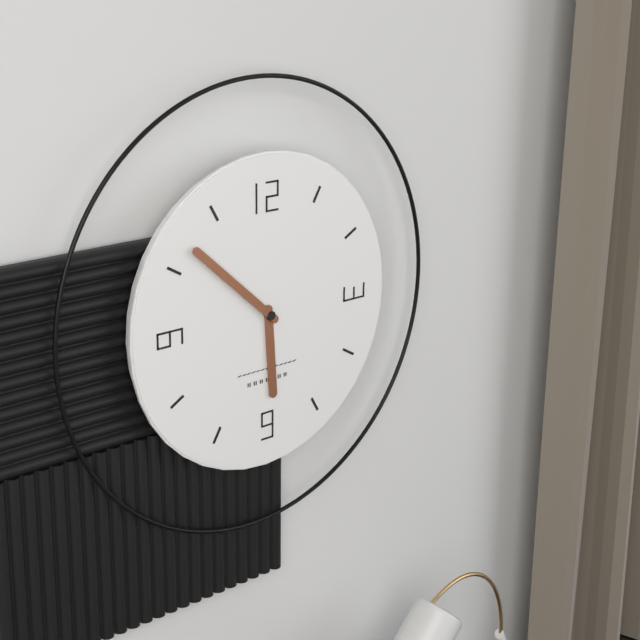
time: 5:52
